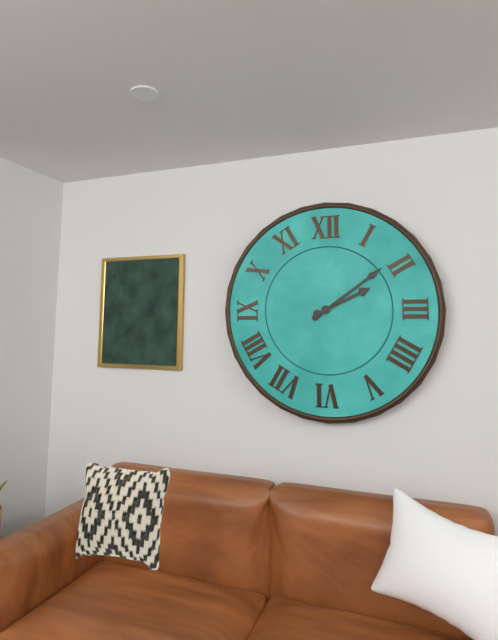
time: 2:09
